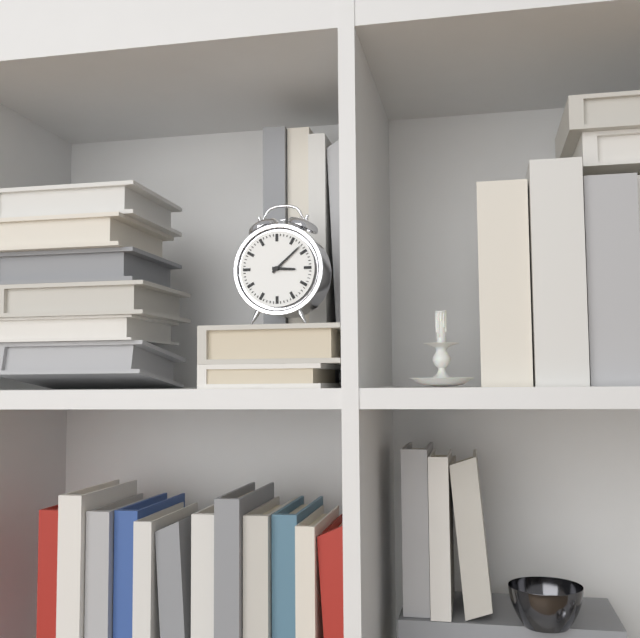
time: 3:08
